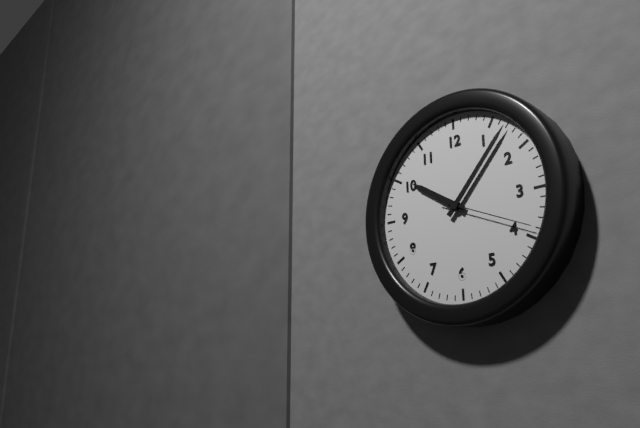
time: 10:07:19
